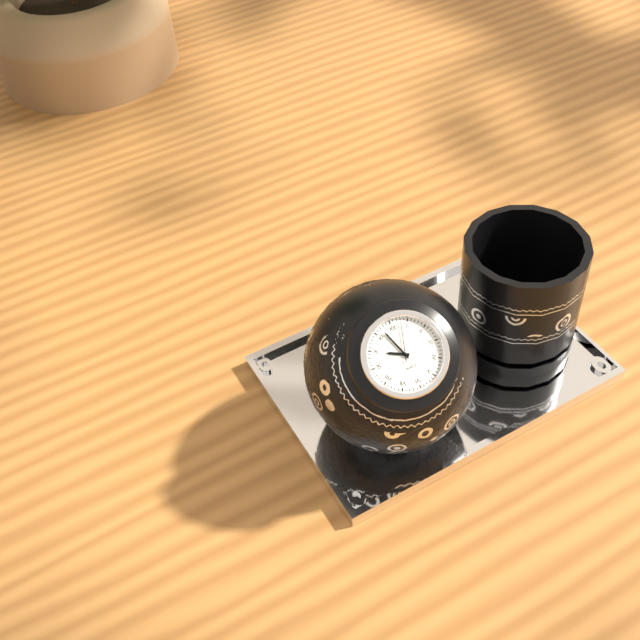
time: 9:57:03
